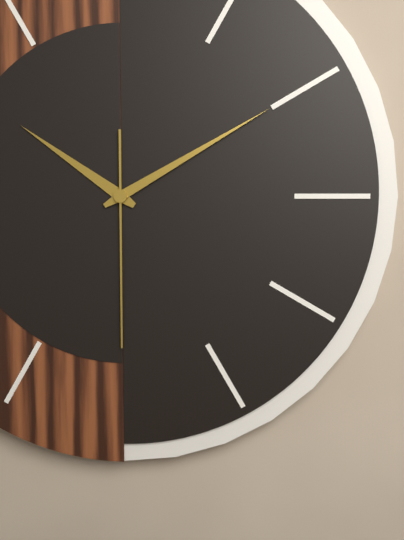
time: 10:10:30
